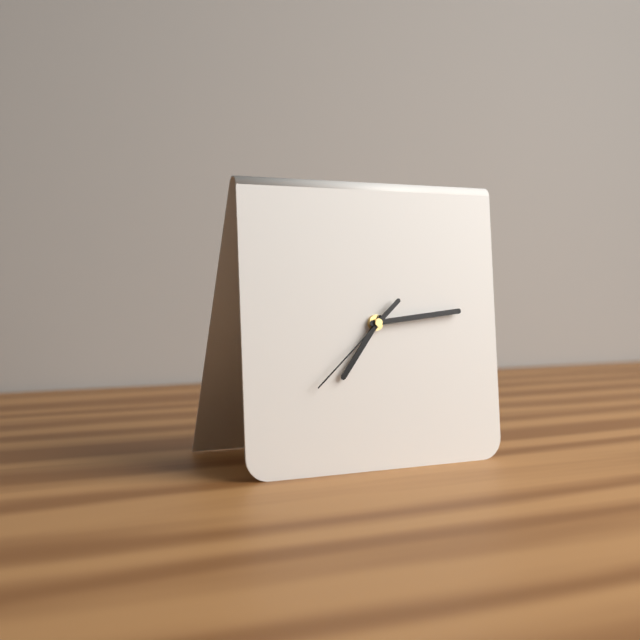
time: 7:14:38
